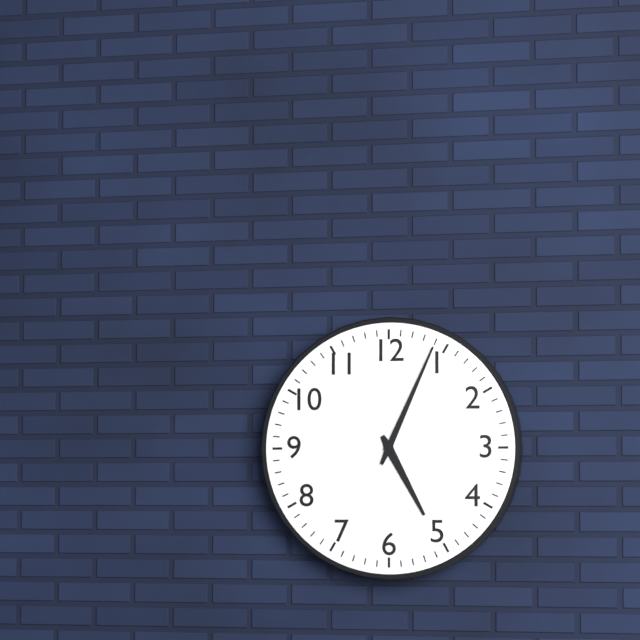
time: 5:04
